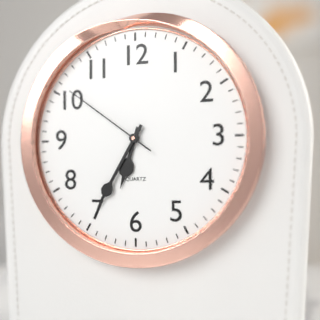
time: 6:35:51
